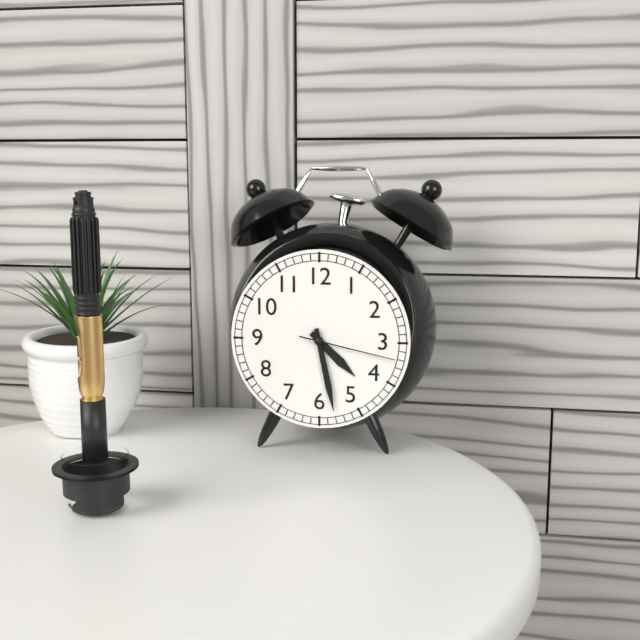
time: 4:28:17
